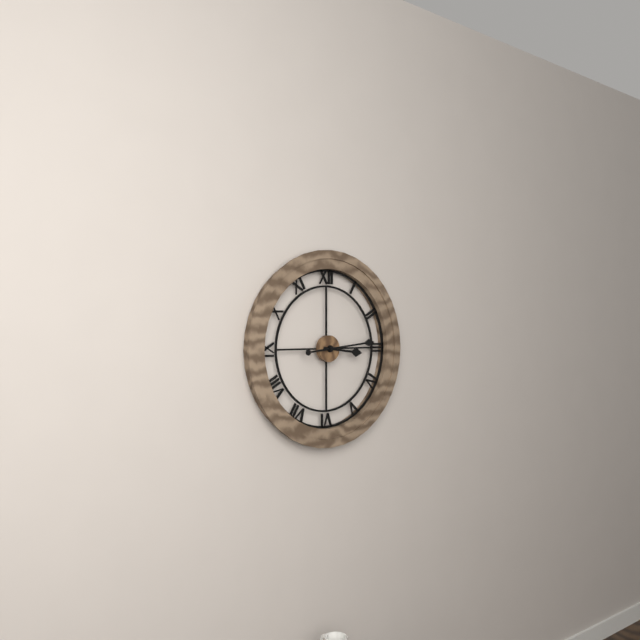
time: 3:14
